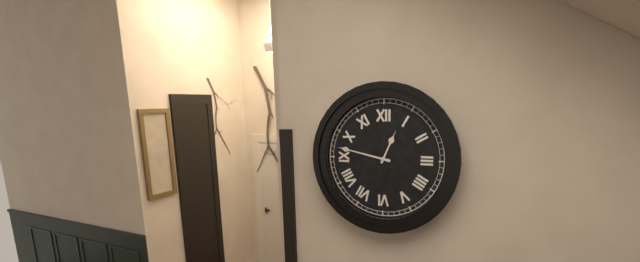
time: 12:47
